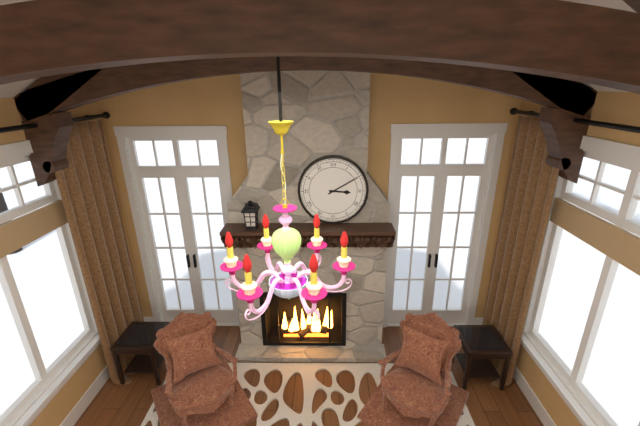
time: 3:10
